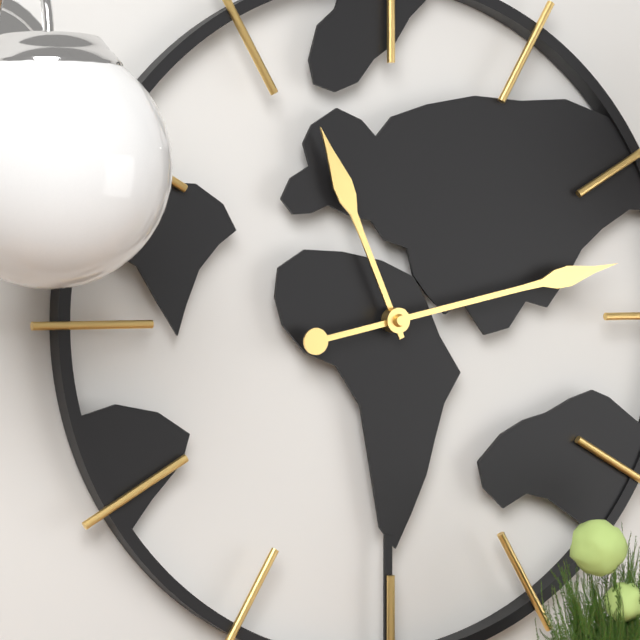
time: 11:13
